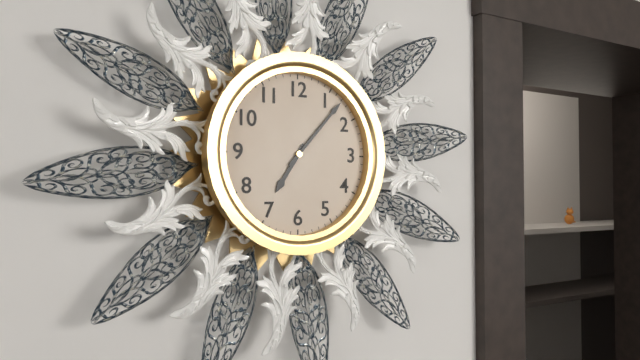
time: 7:07
